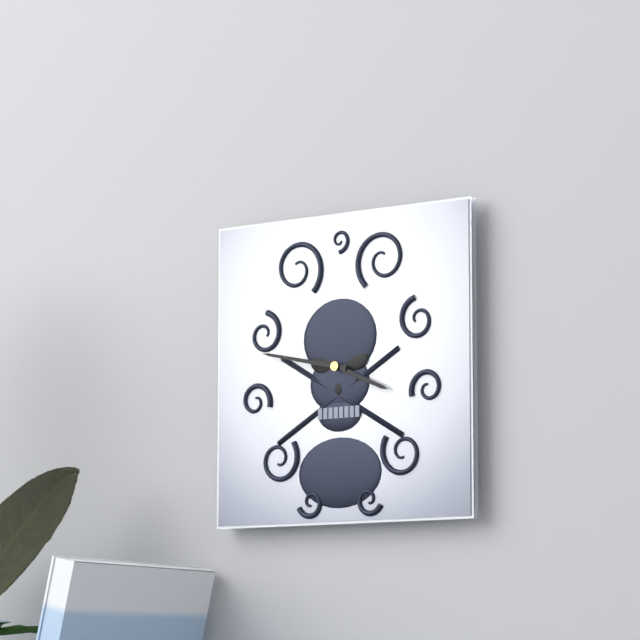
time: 3:47
